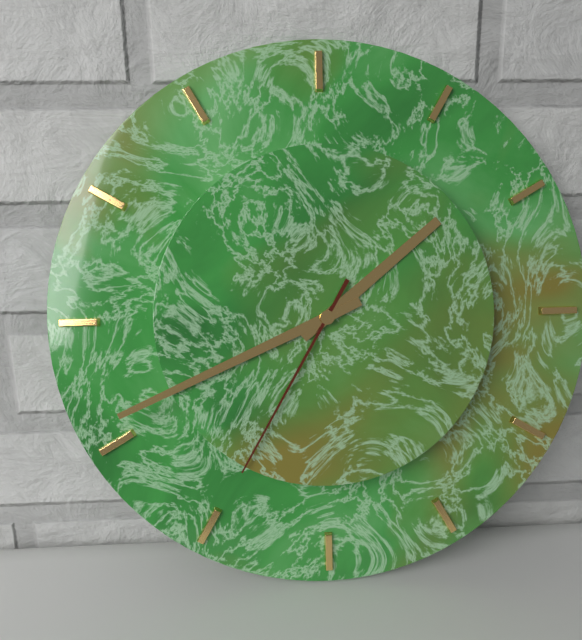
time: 1:41:35
